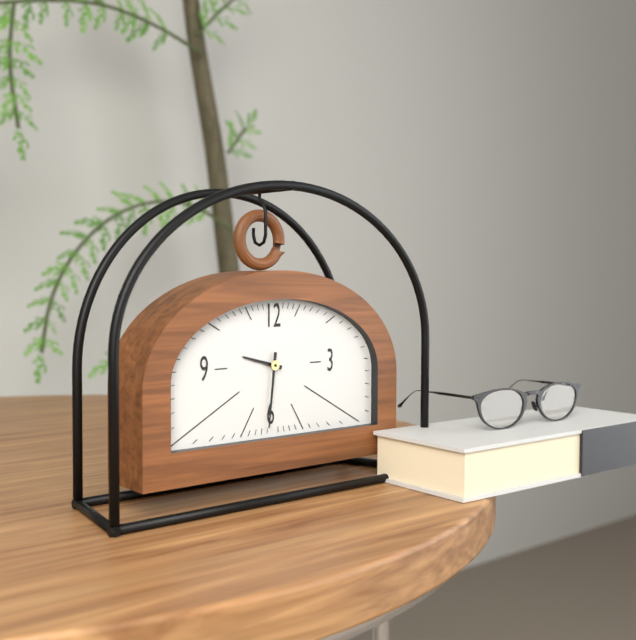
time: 9:31
